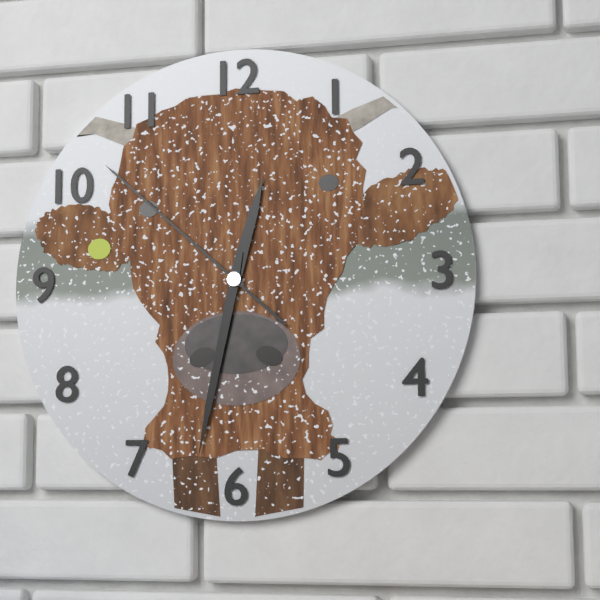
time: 12:32:52
